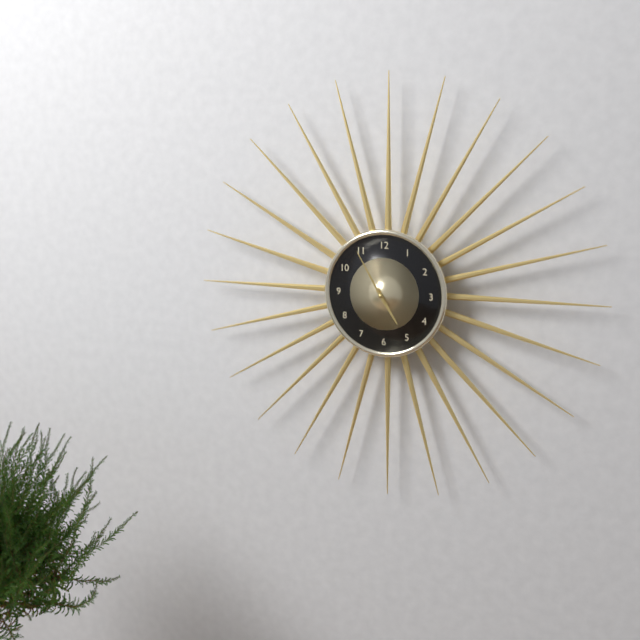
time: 4:55
